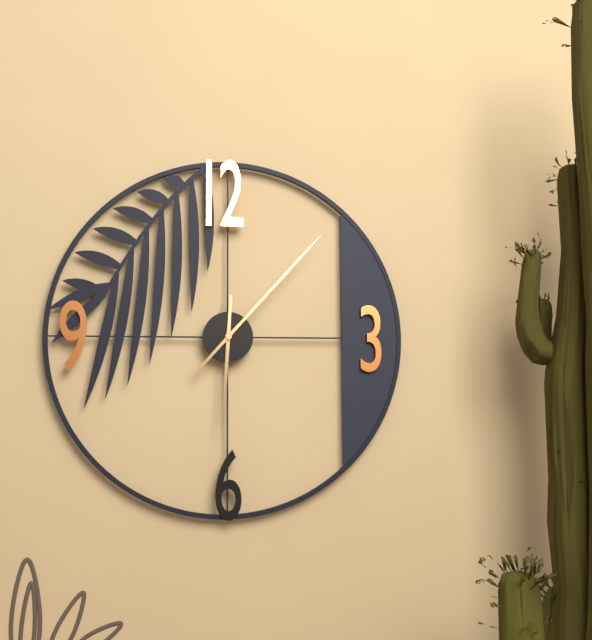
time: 6:07
